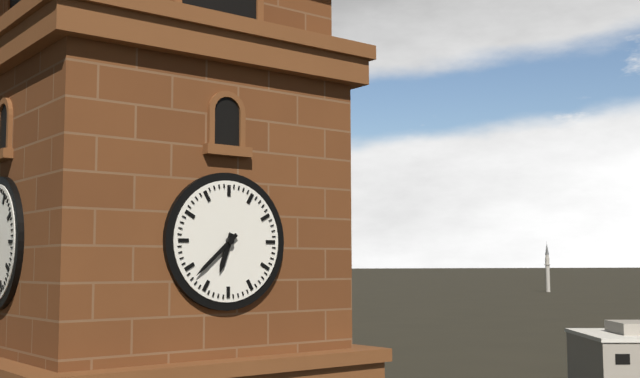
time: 6:38
